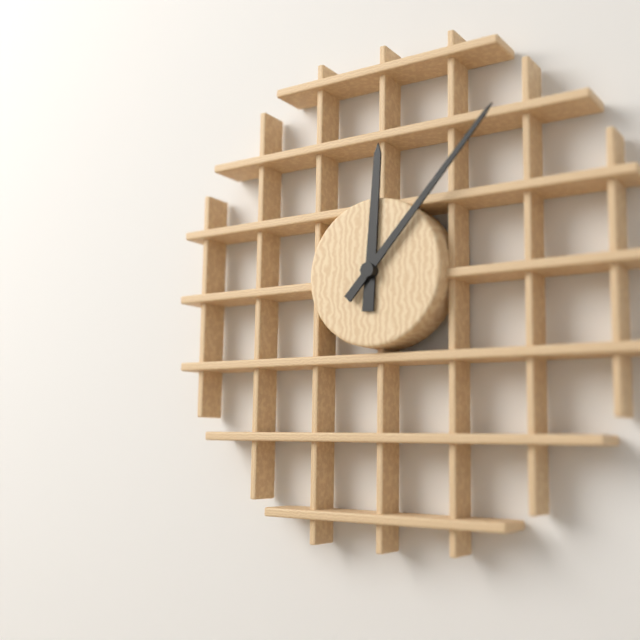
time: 12:07
